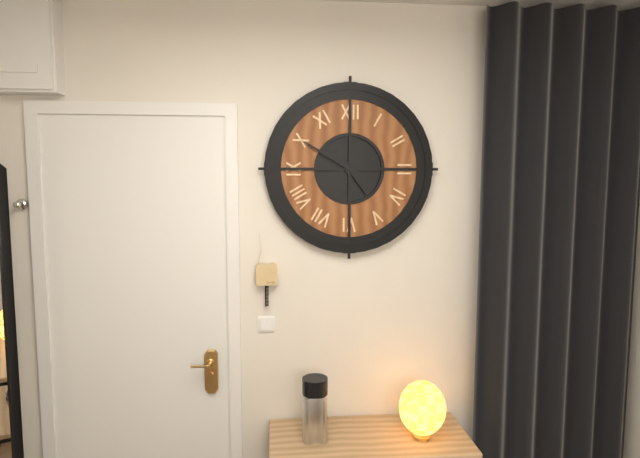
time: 4:50
